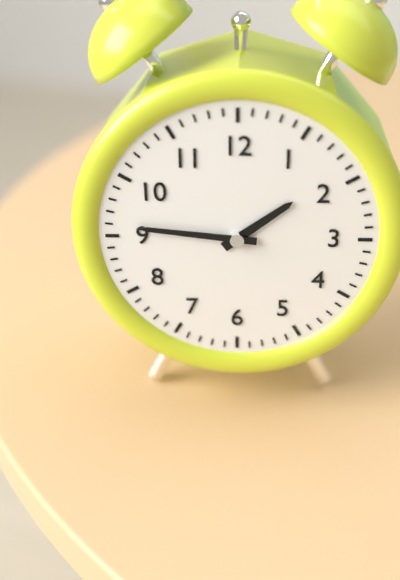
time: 1:46
